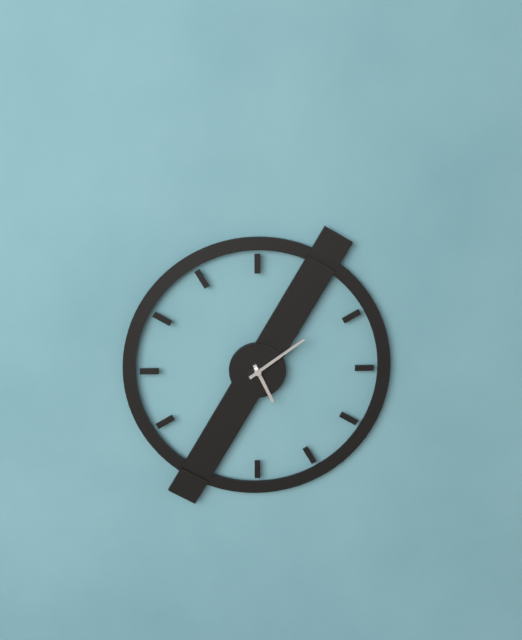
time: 5:09
